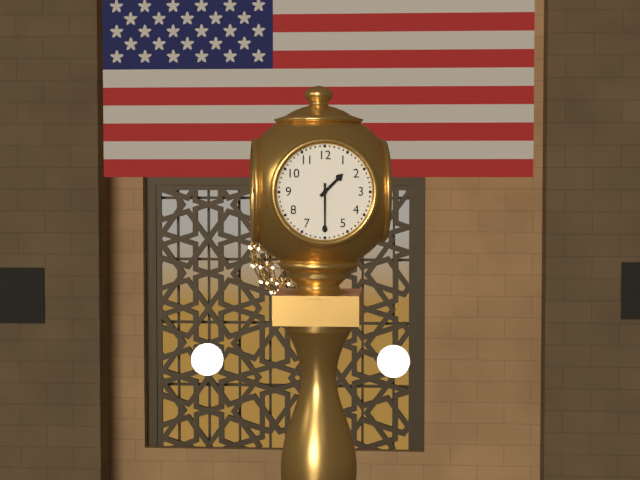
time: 1:30
